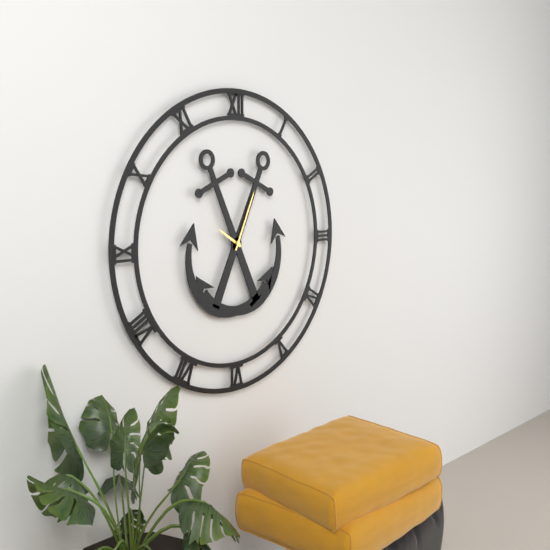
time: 10:04
